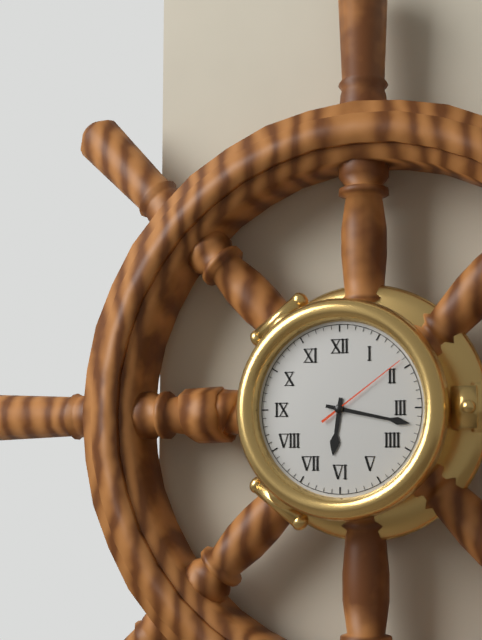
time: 6:17:09
